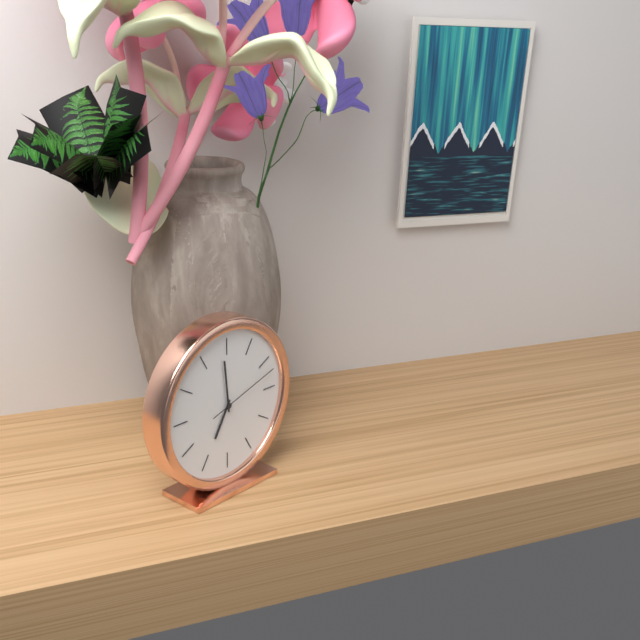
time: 6:59:12
